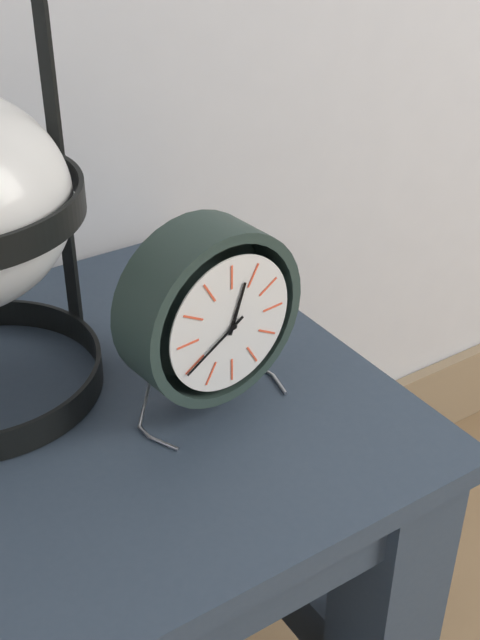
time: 12:40
